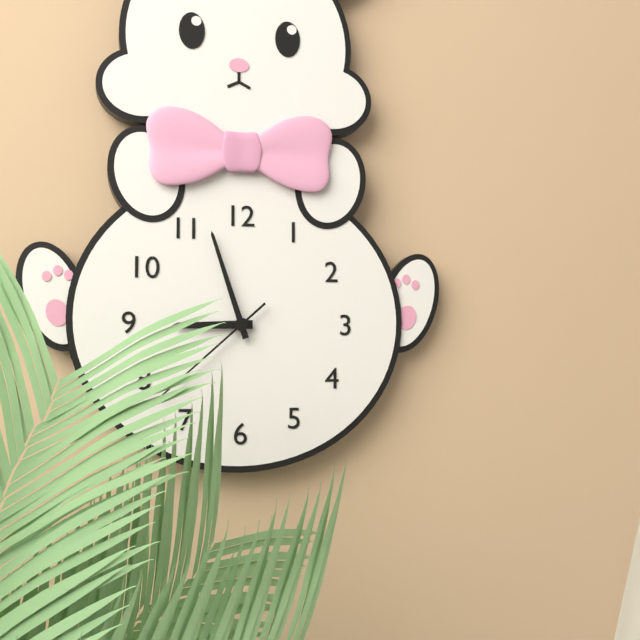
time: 8:57
